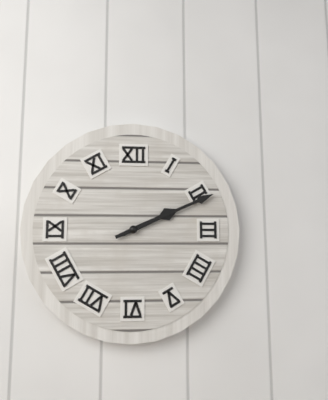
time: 2:11
